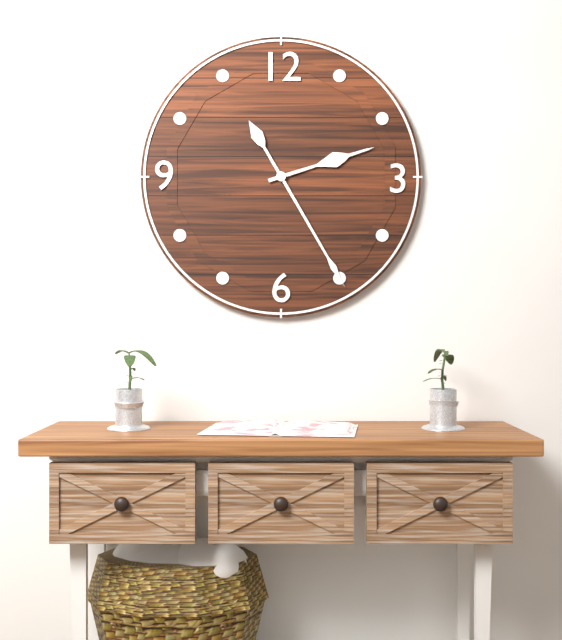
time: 2:25
